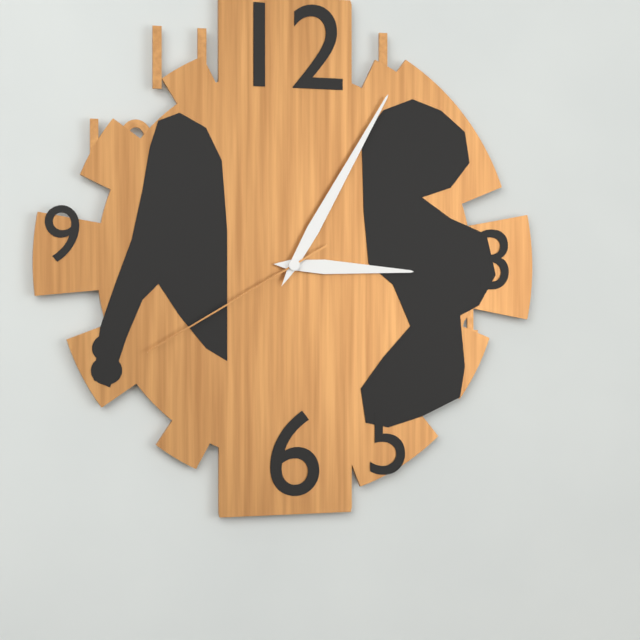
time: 3:05:40
